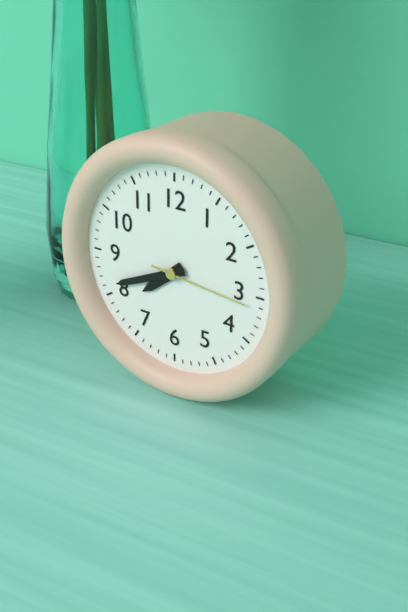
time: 7:41:16
